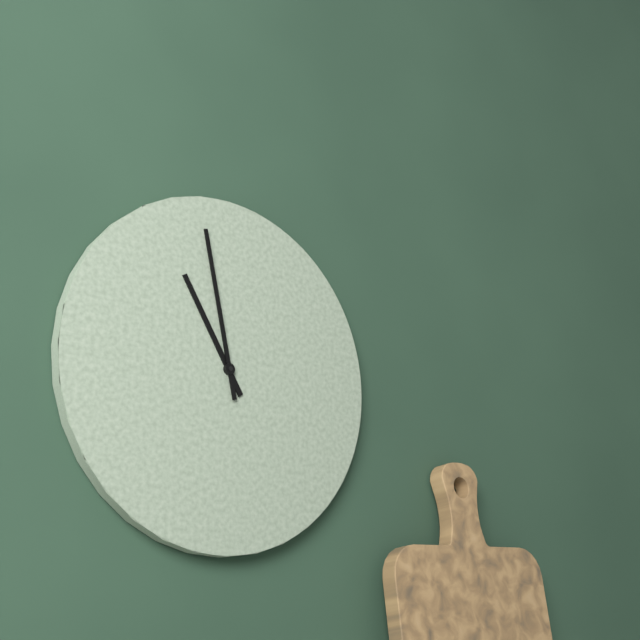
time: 10:58
